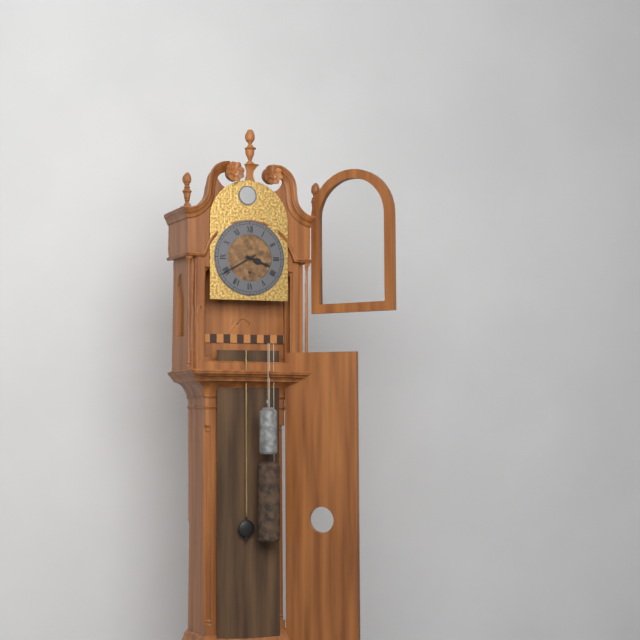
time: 3:40
